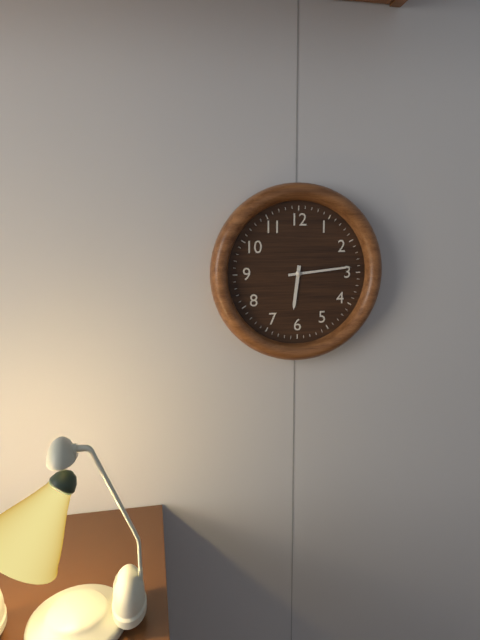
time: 6:14
